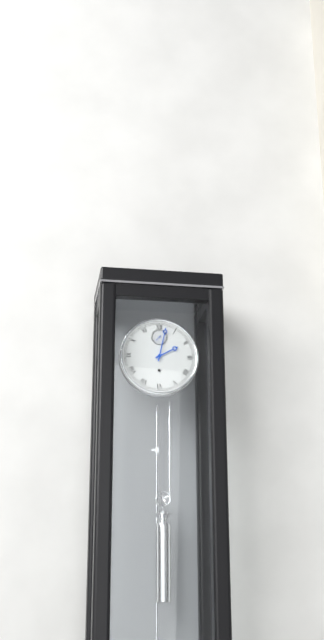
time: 2:02
